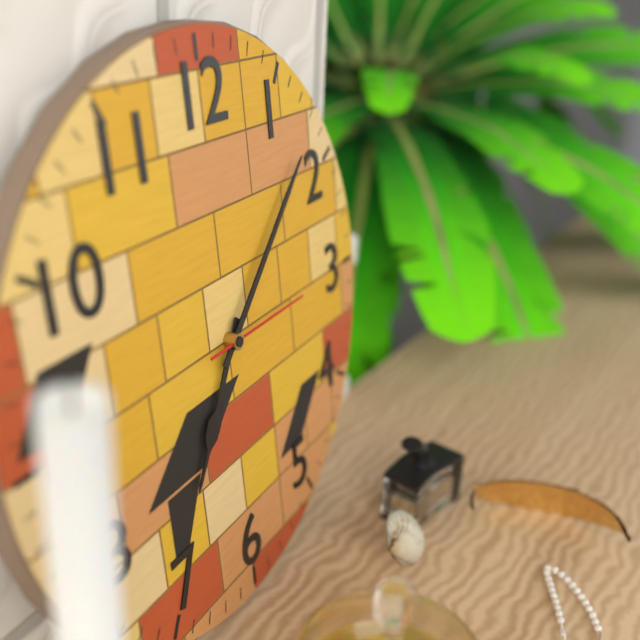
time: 7:08:15
